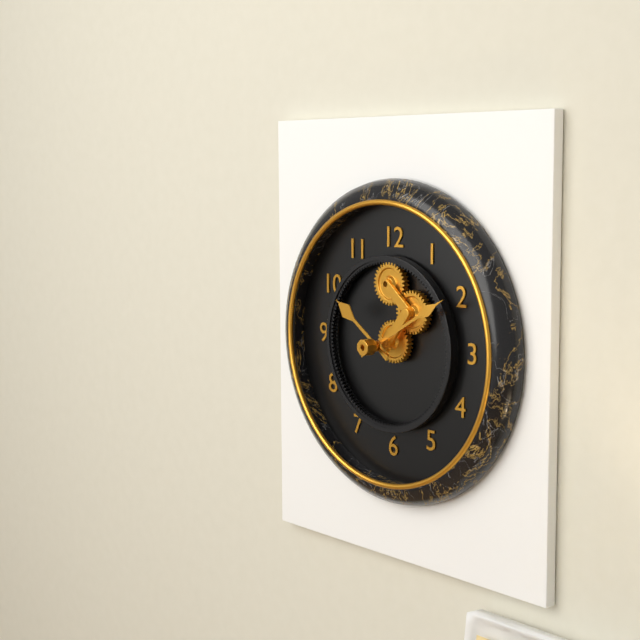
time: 10:10
